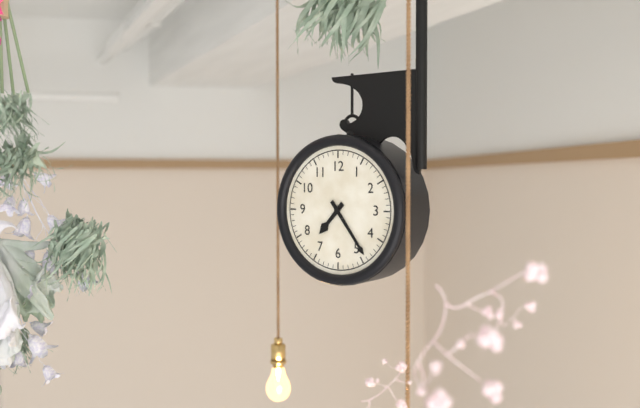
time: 7:24
